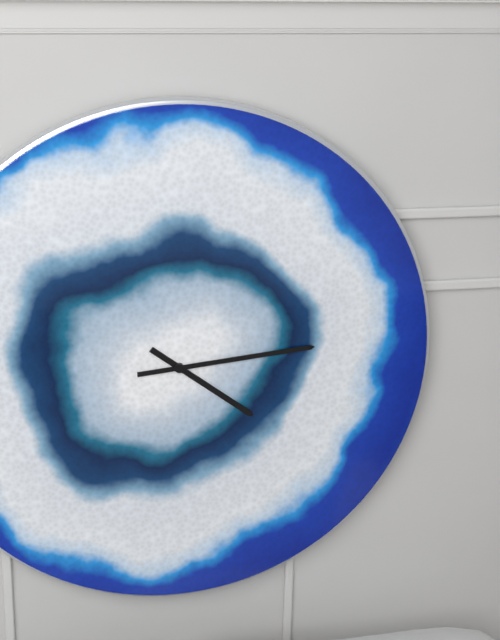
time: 4:14
